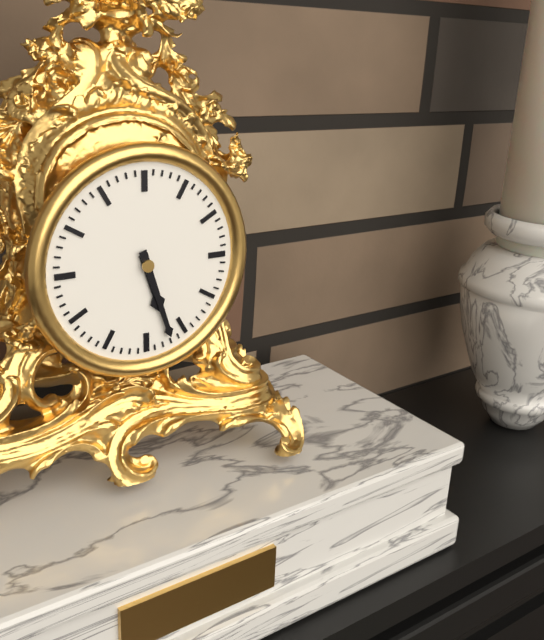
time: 5:27
